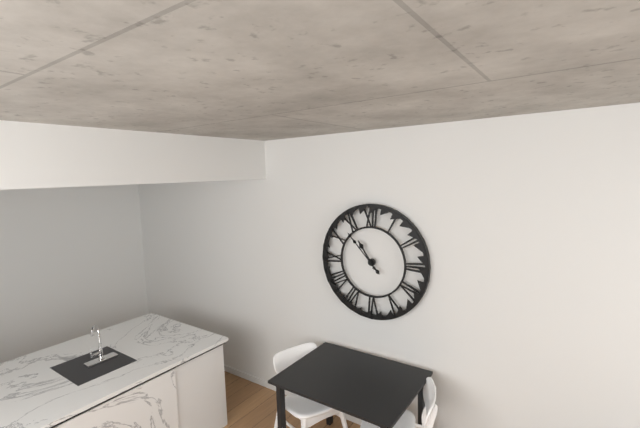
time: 10:53
